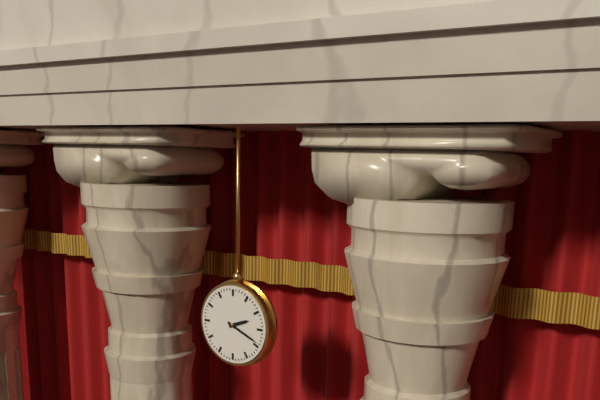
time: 2:19
